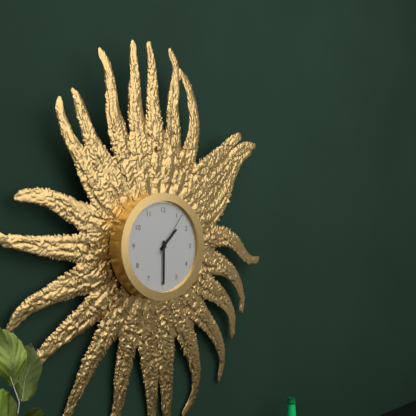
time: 1:30
